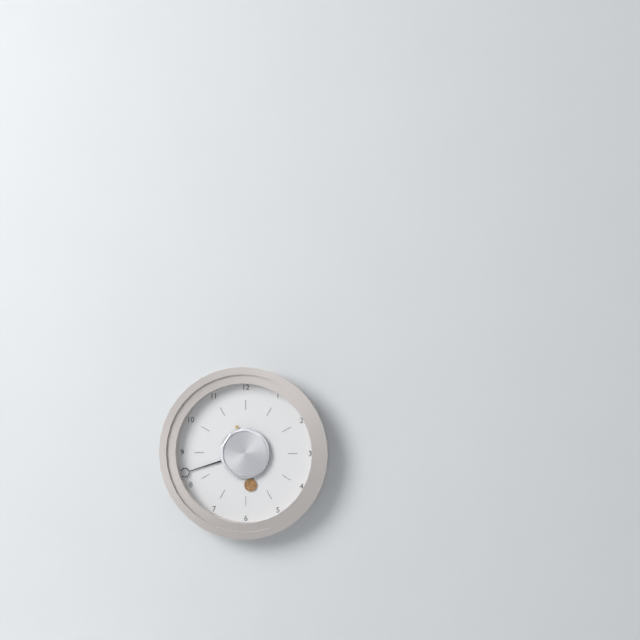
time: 5:42
